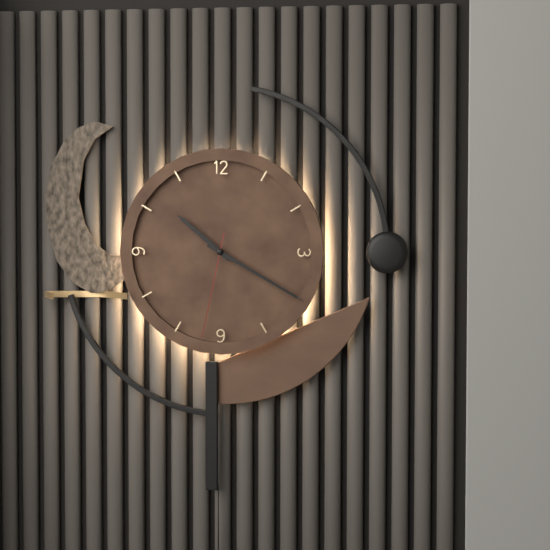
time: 10:20:32
